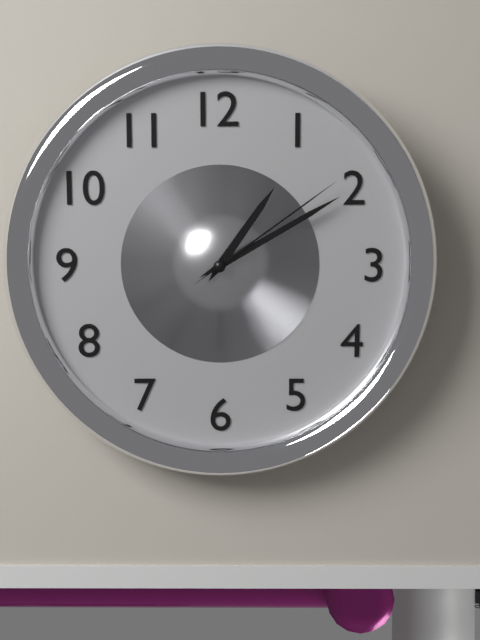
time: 1:10:09
